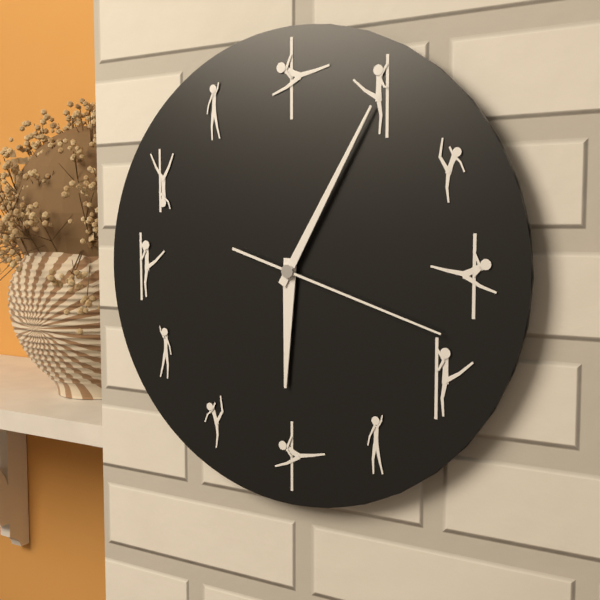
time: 6:05:18
